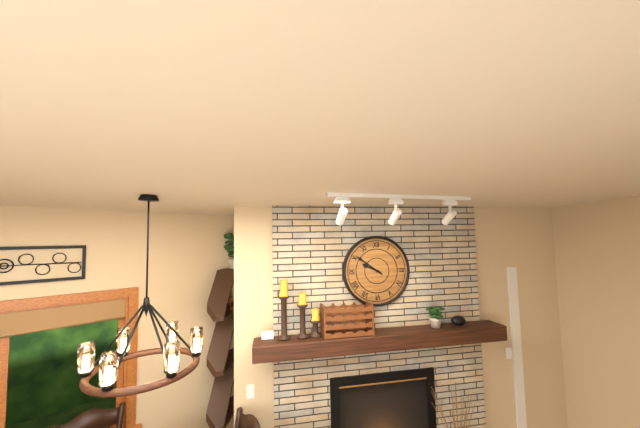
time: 9:51
